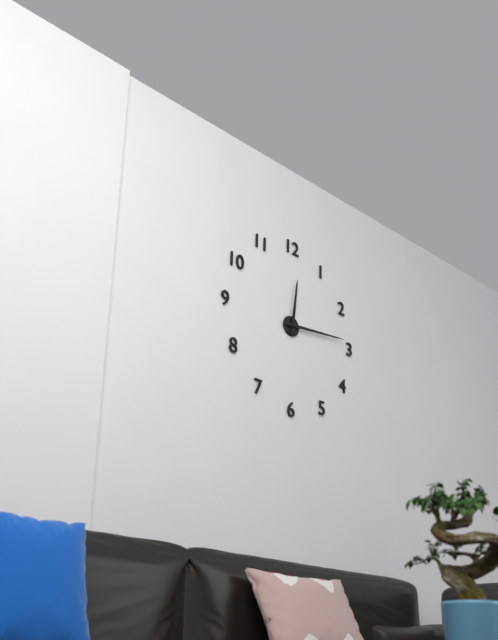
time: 12:14
